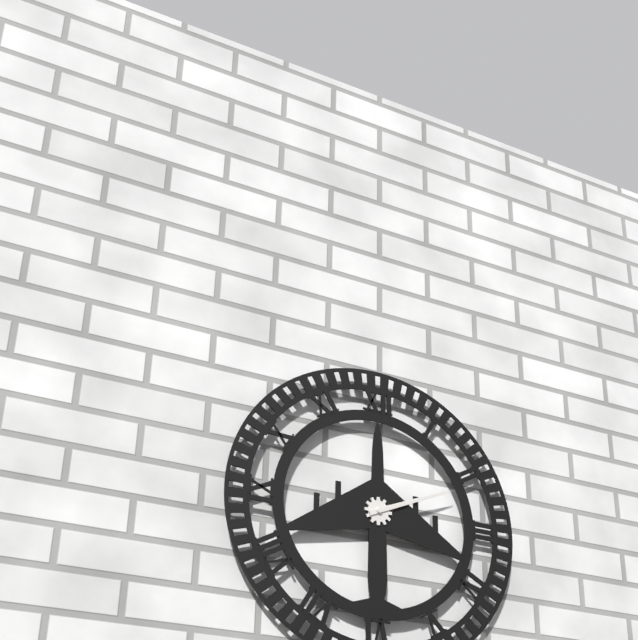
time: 2:11
